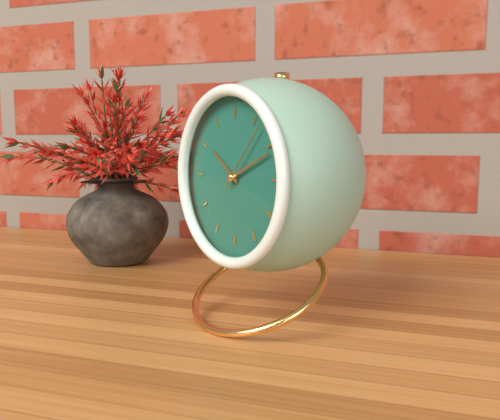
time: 10:11:07
